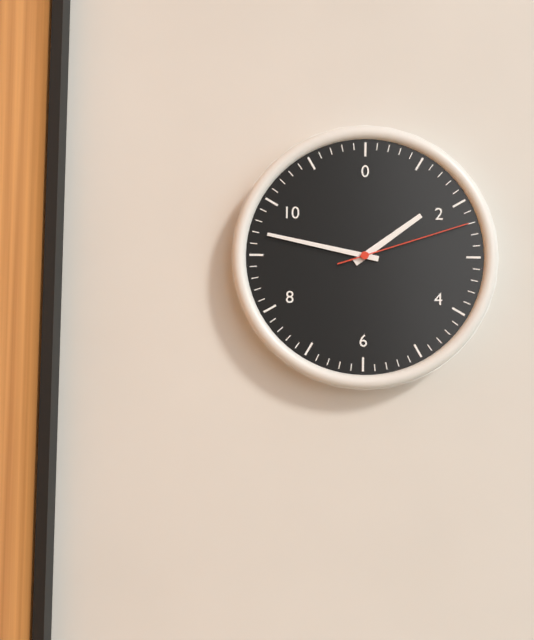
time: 1:47:12
